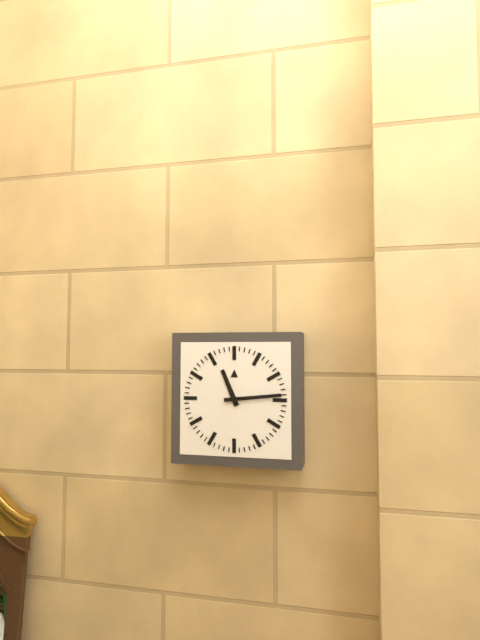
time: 11:14
